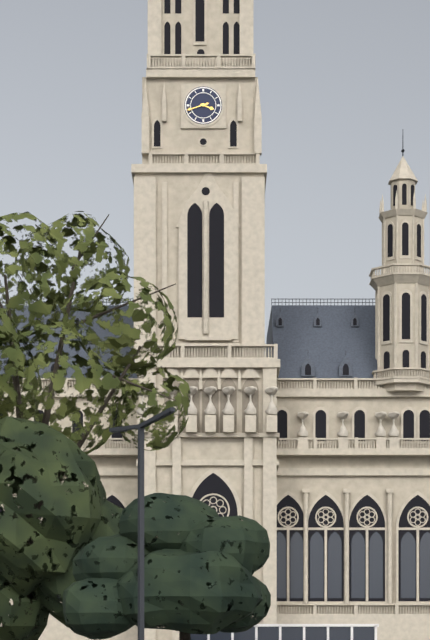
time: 3:42
